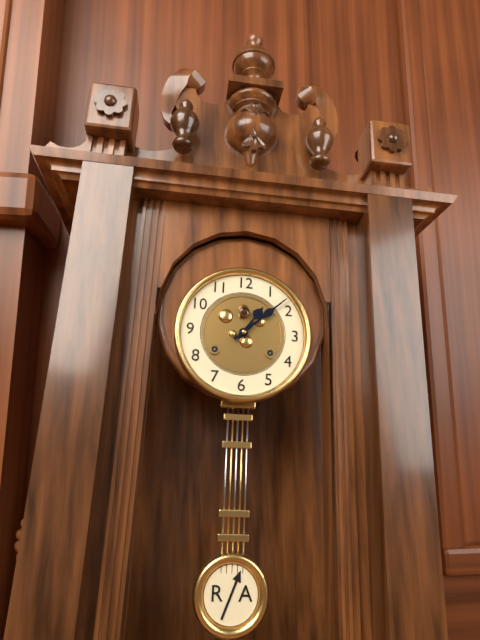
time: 1:08
